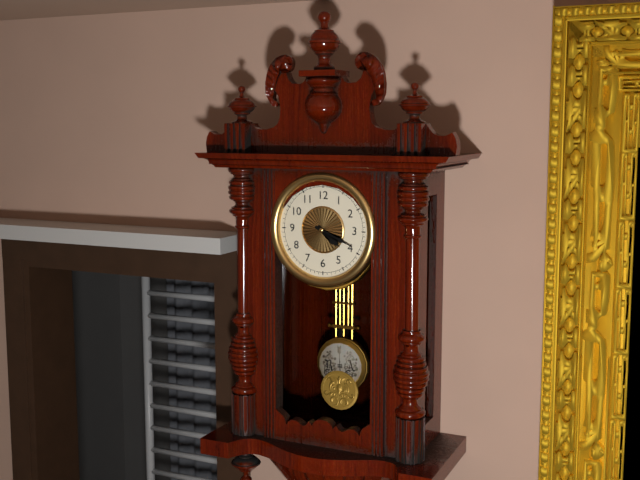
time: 4:19
